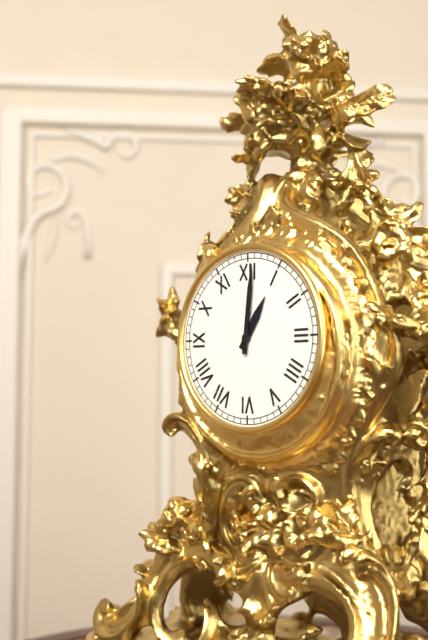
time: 1:01
